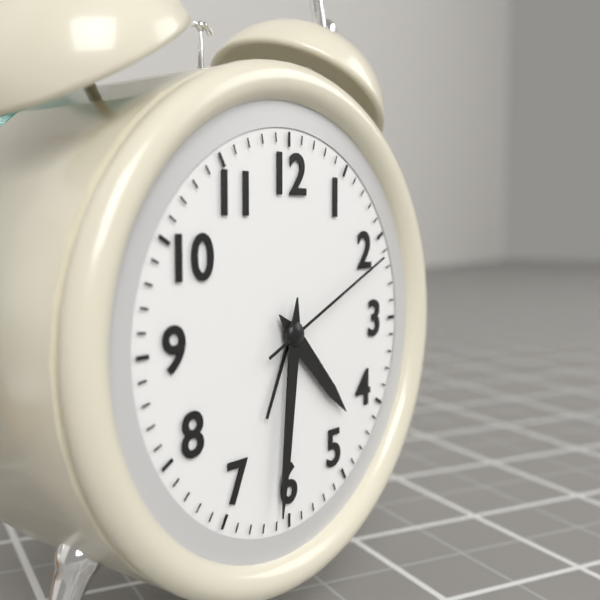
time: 4:31:11
